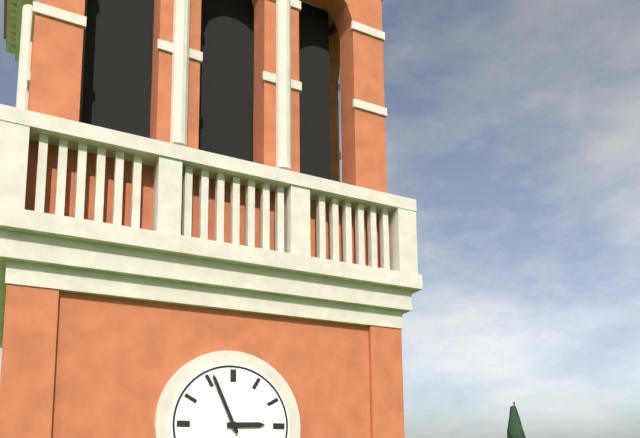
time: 2:56
